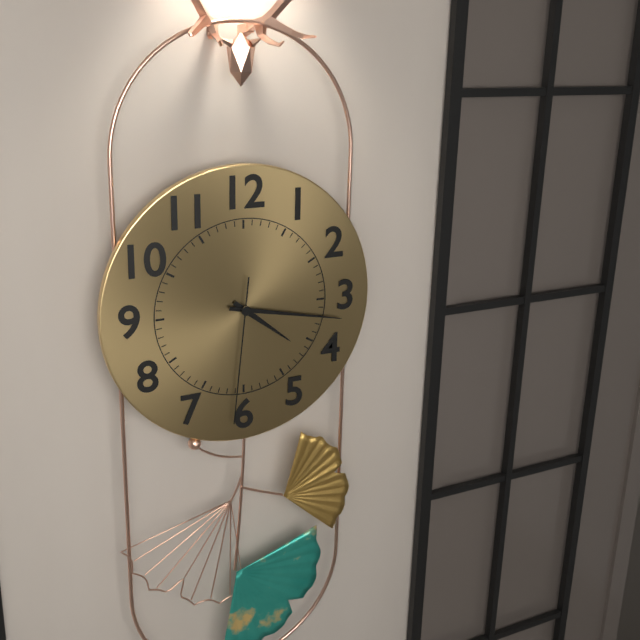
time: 4:17:31
